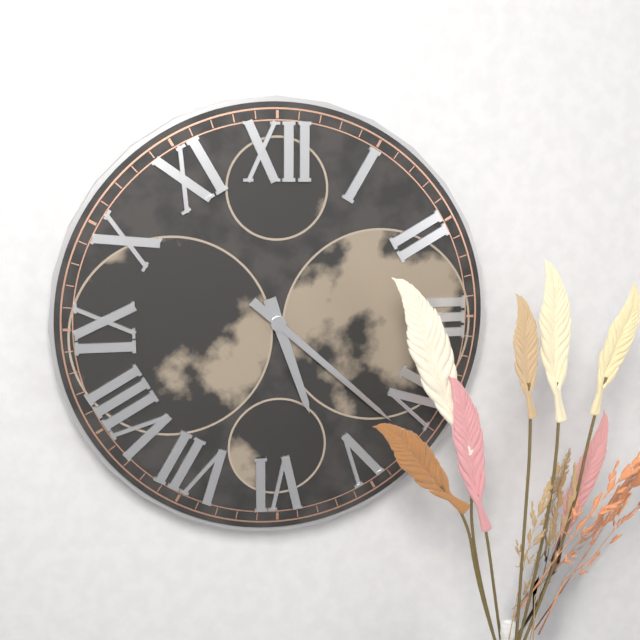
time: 5:22
